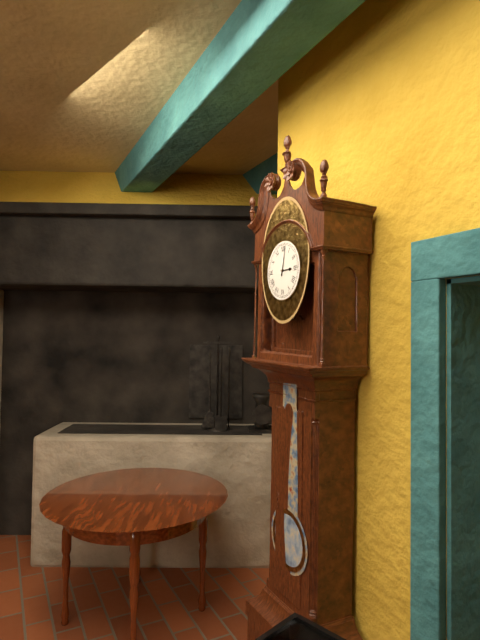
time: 3:02
